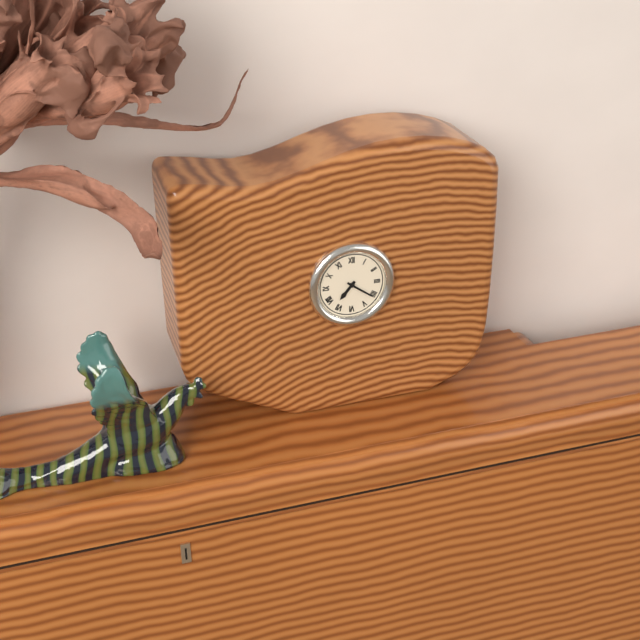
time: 7:21
